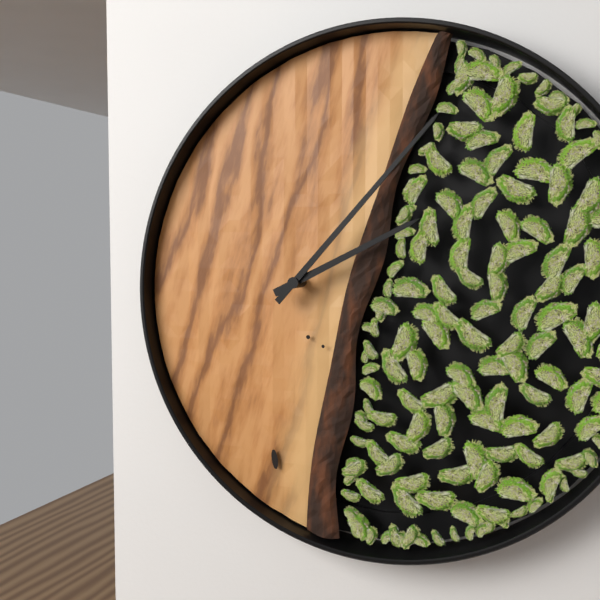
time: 2:07
